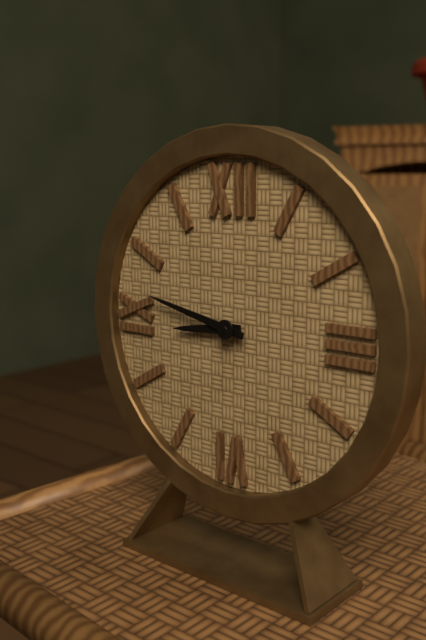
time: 8:47
